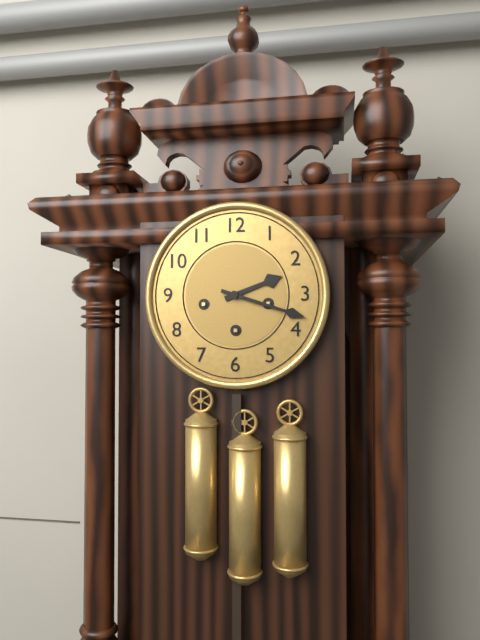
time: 2:18
